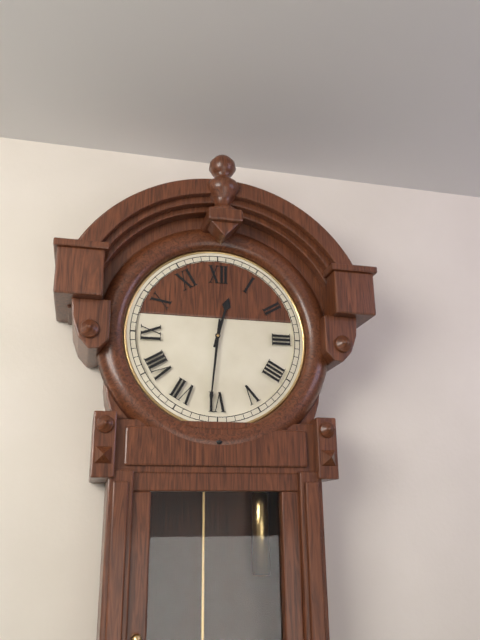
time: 12:31
